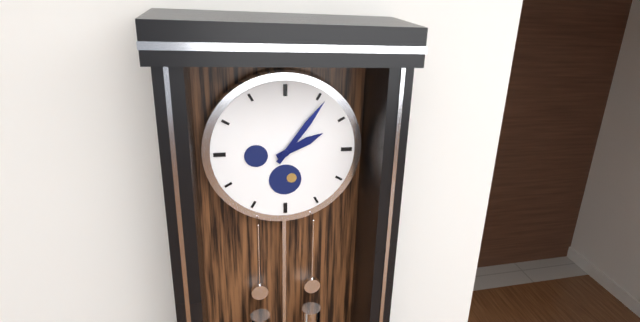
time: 2:06
